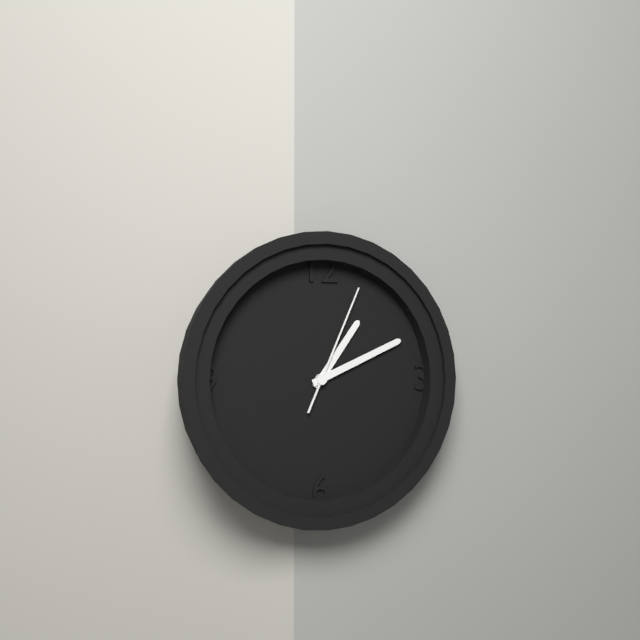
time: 1:11:04
